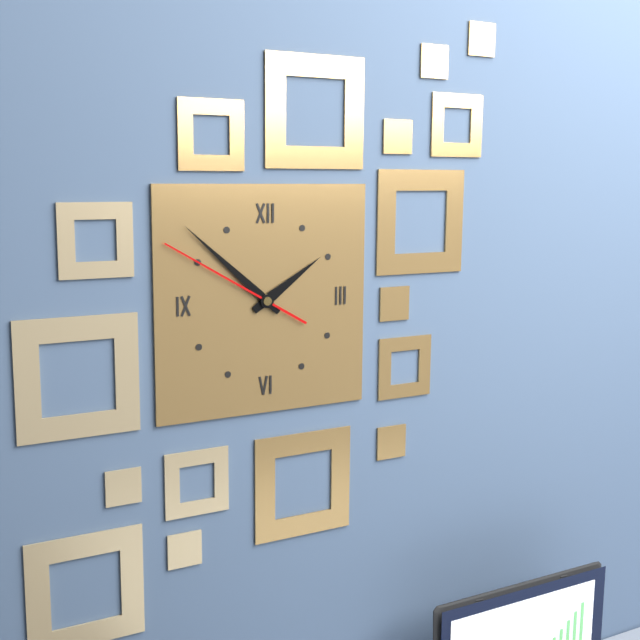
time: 1:52:50
